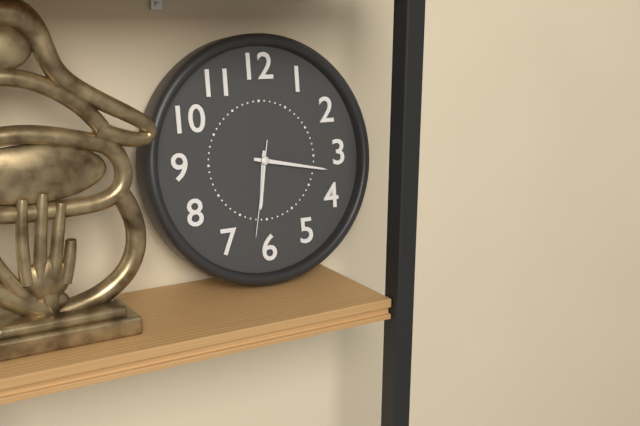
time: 6:17:32
